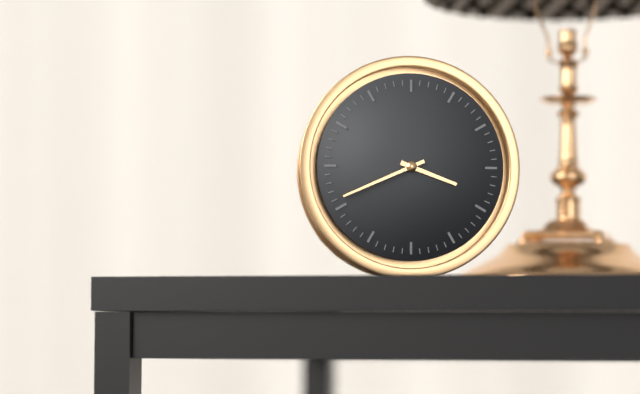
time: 3:41
